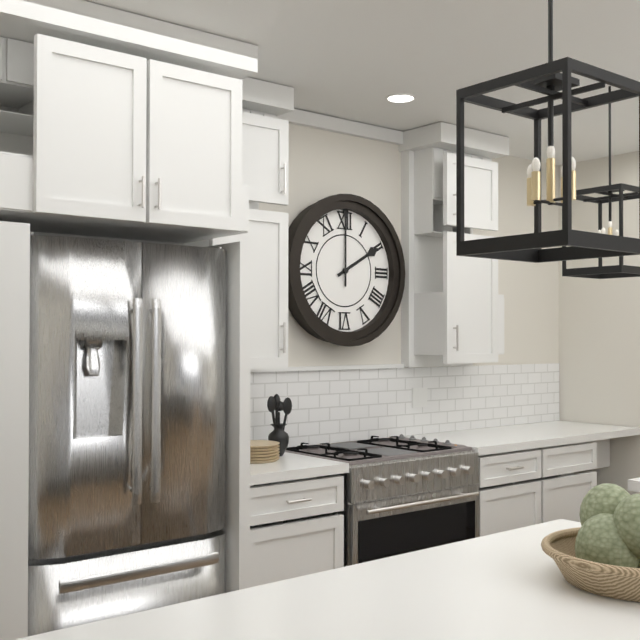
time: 2:00
